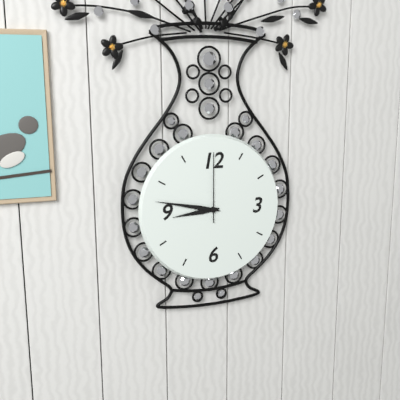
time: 8:47:00
